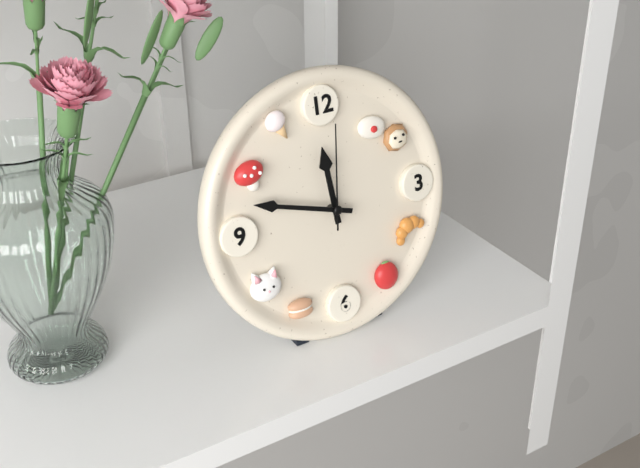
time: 11:48:01
